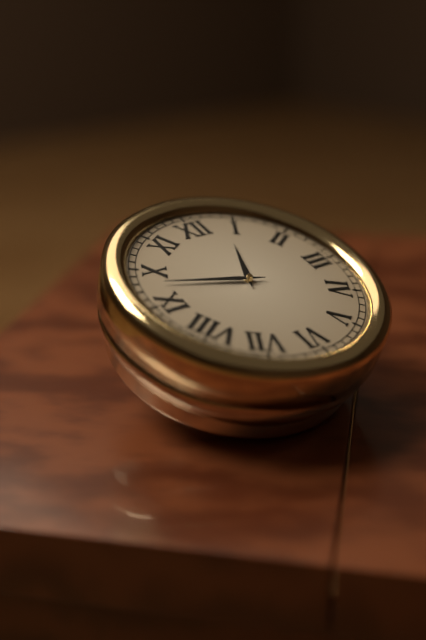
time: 12:48
